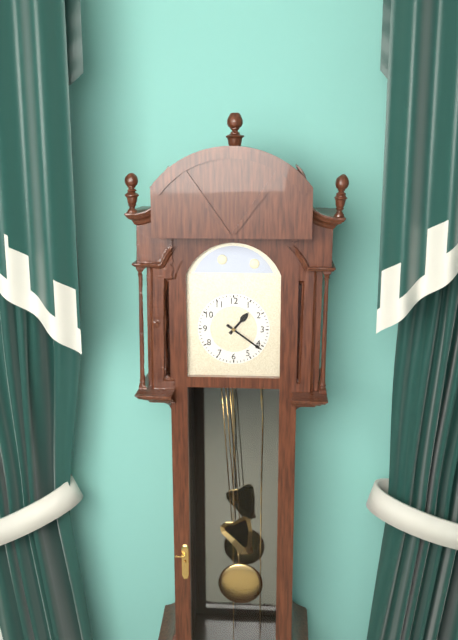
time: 1:21
